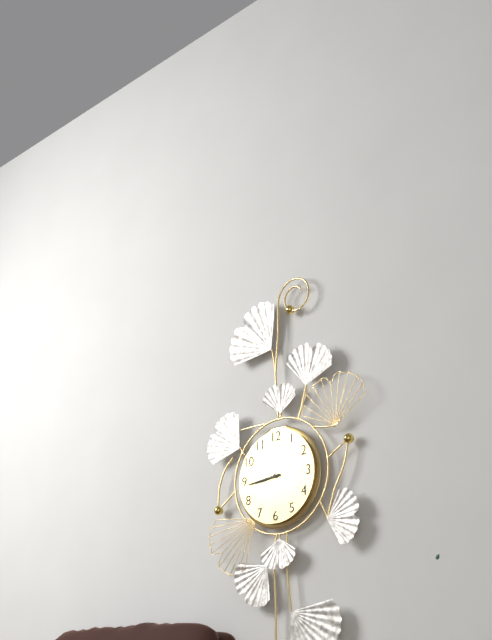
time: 8:44
